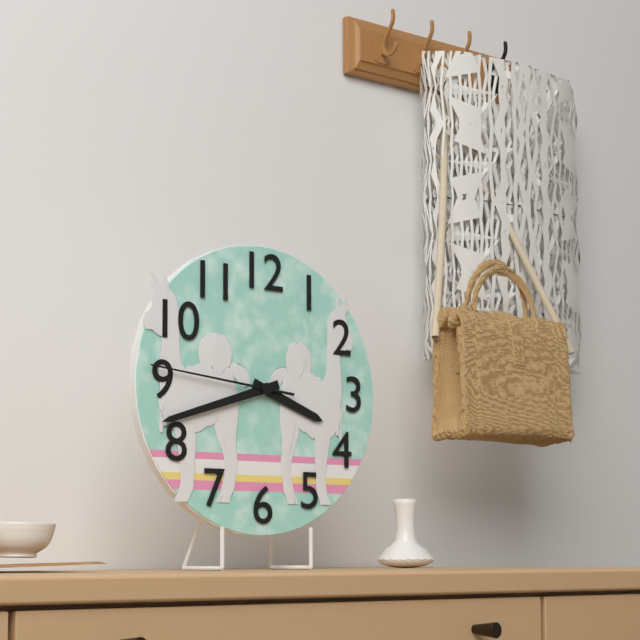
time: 3:42:46
